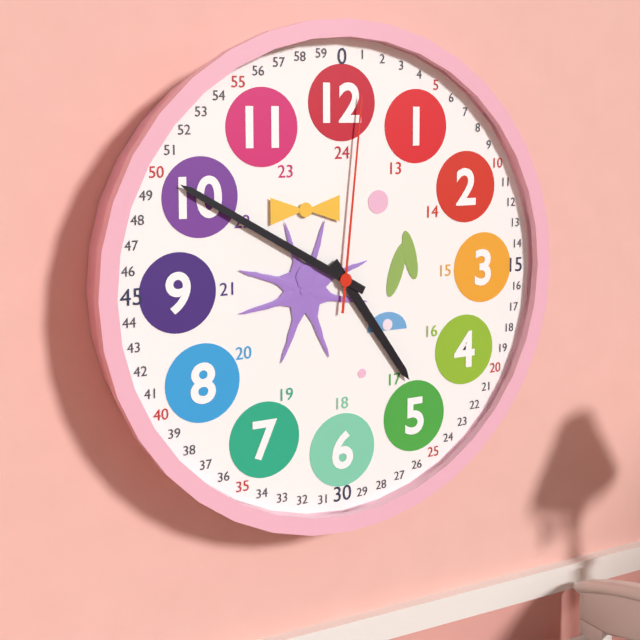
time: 4:50:01
